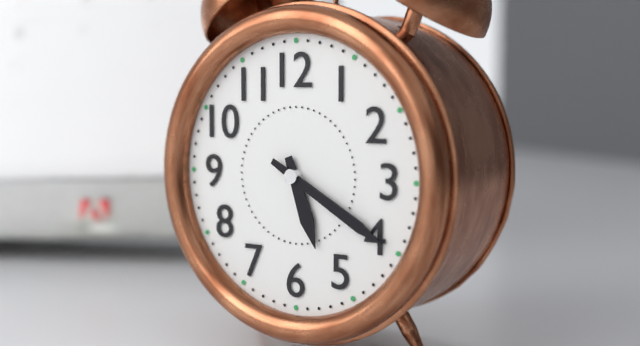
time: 5:20
